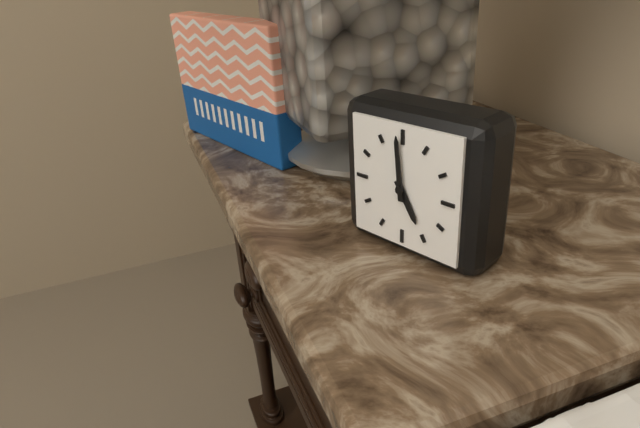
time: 4:59
